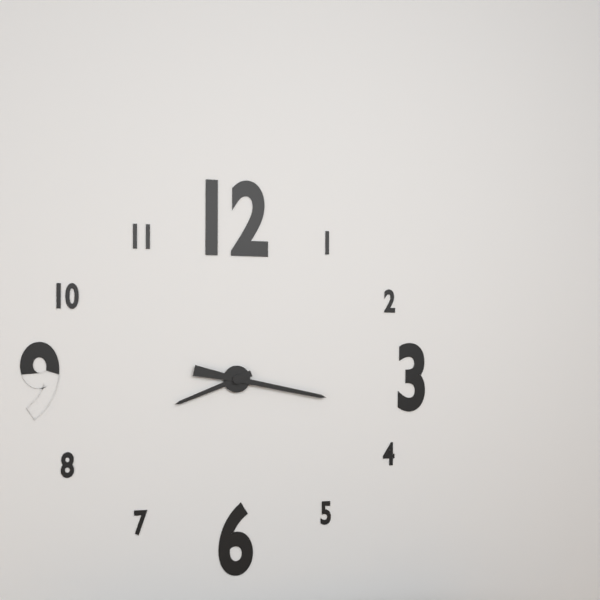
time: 8:17
